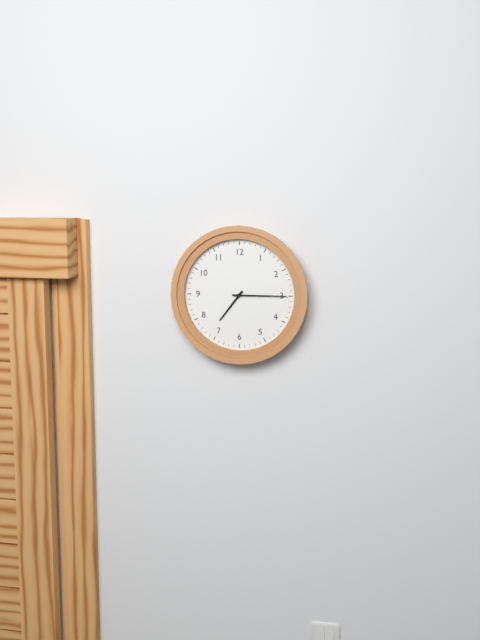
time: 7:15
